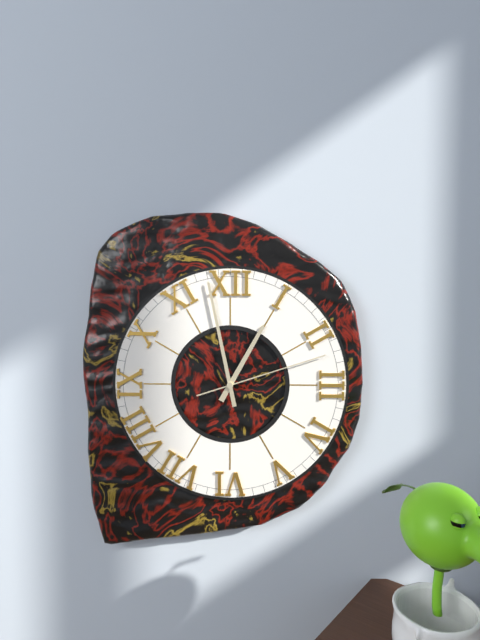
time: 12:58:12
